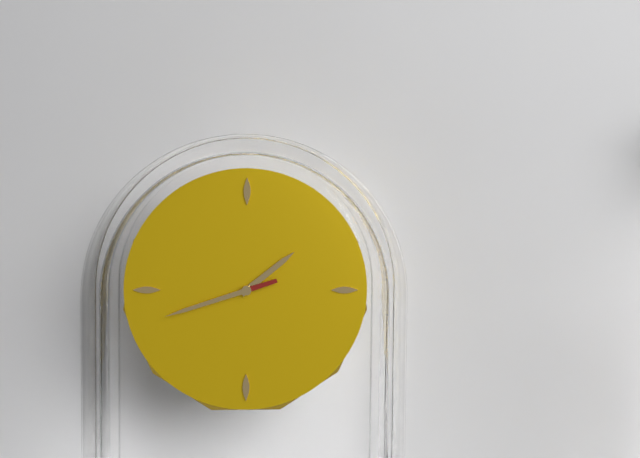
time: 1:42
